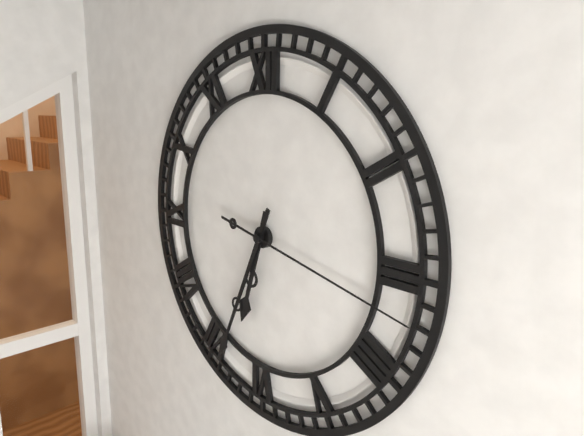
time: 6:34:17
